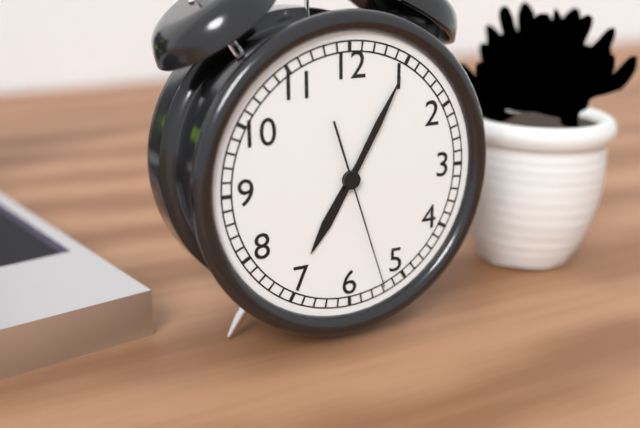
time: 7:05:27
